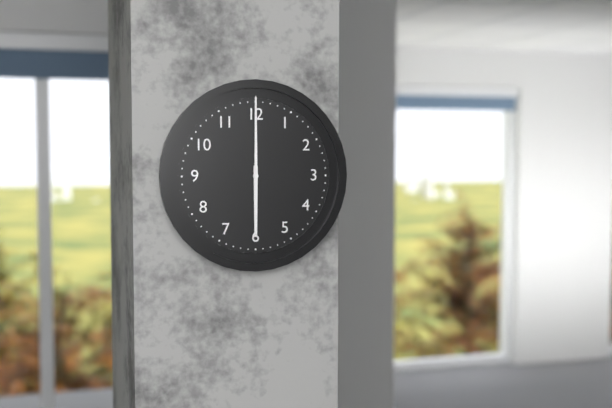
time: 6:00
